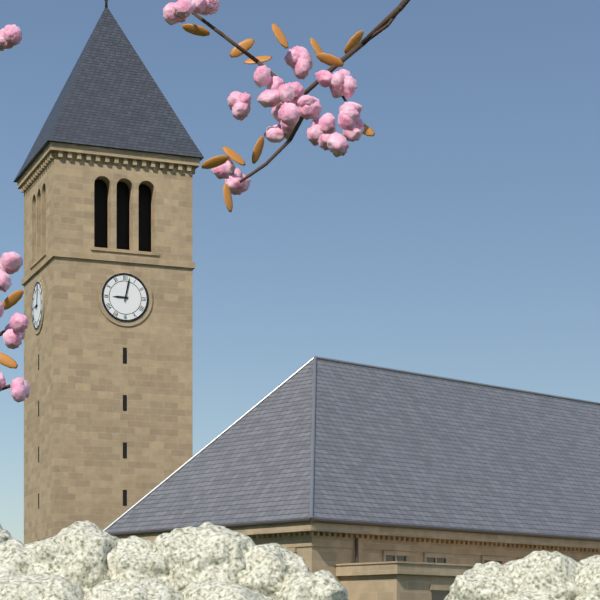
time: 9:02
